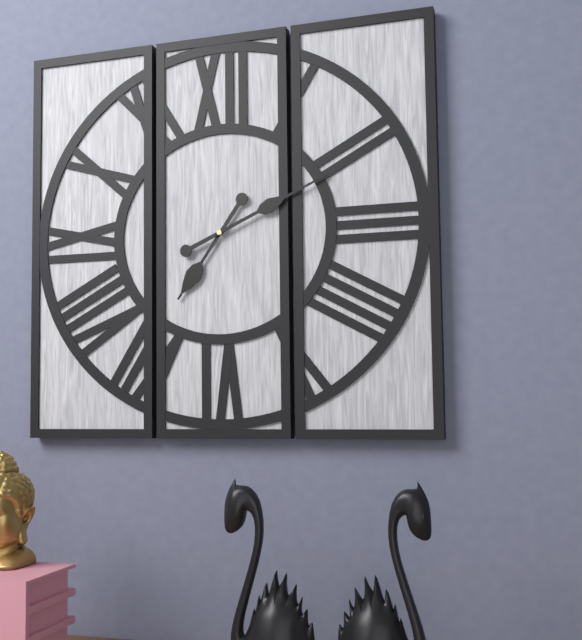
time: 7:11
